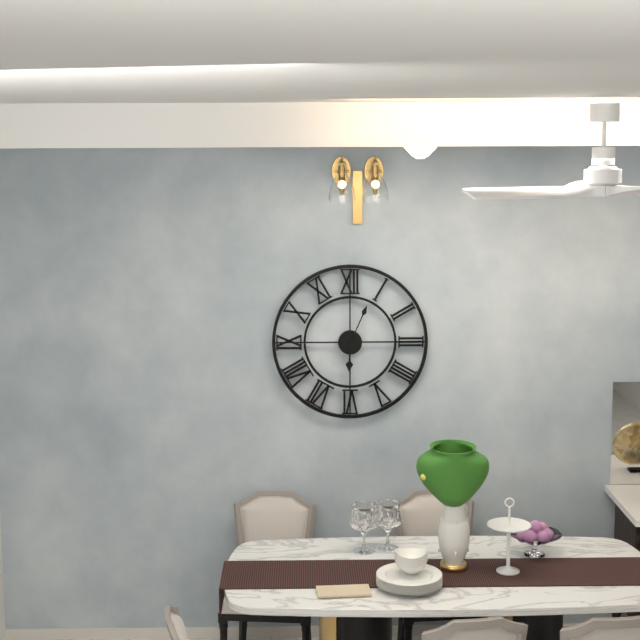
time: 6:04
